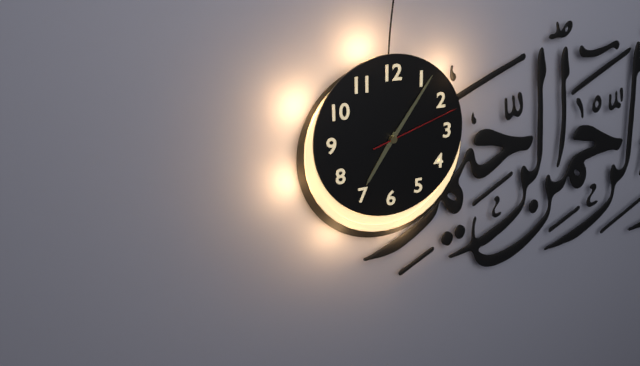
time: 7:06:12
